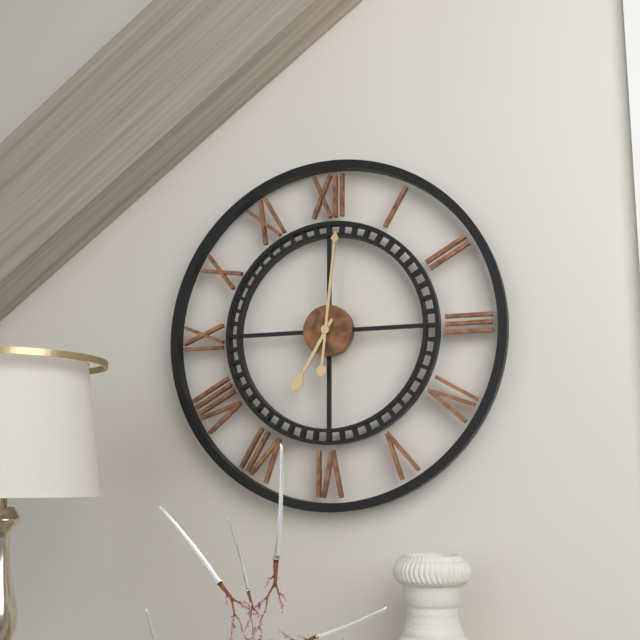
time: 7:01
